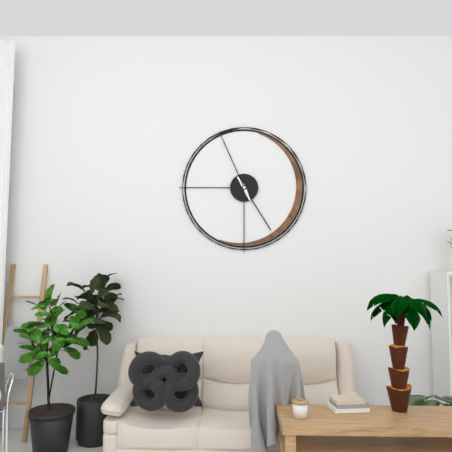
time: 4:56
